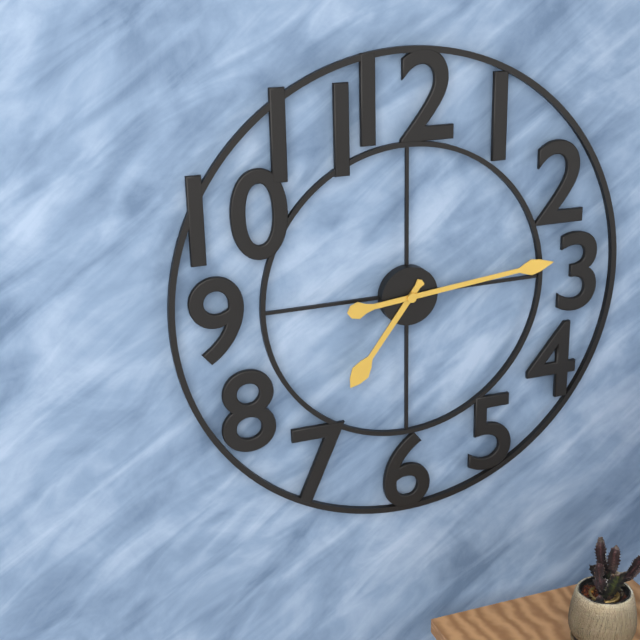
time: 7:14
